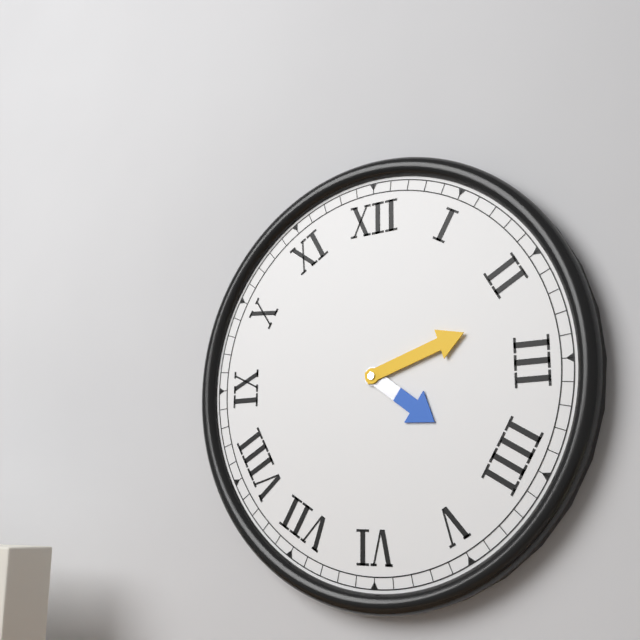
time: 4:12
